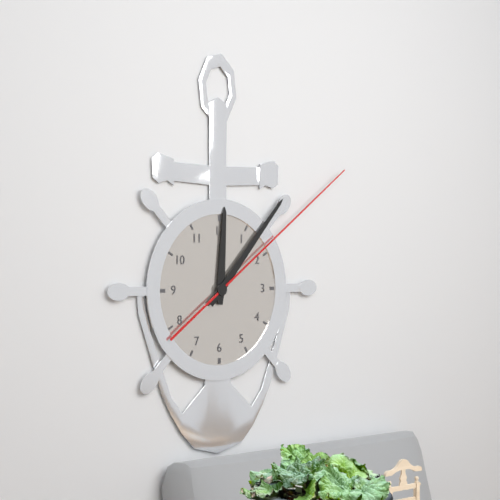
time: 12:07:09
